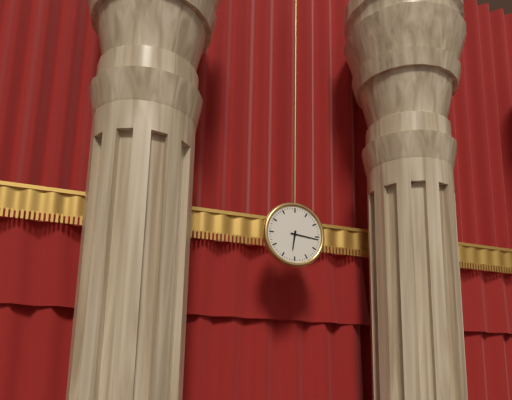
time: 6:16
